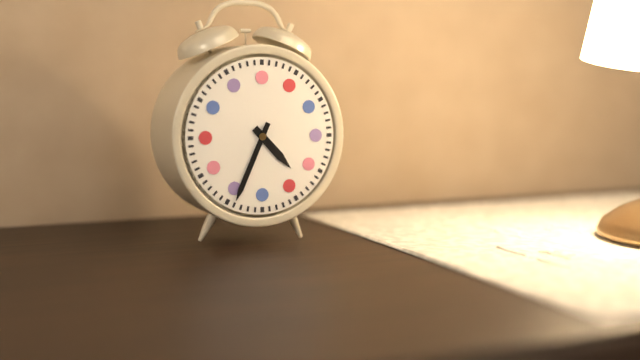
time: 4:34
